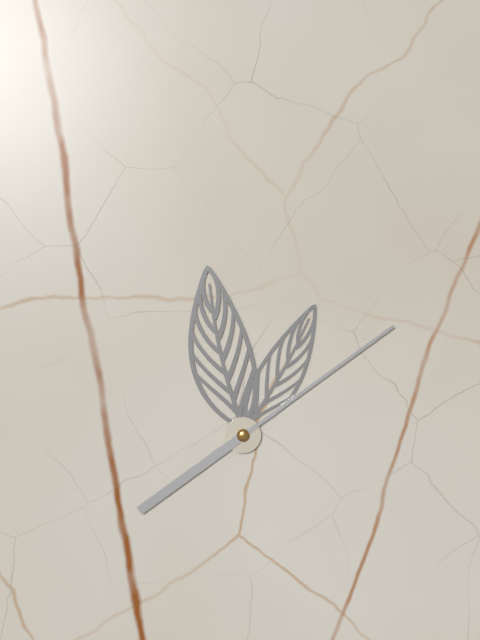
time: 12:58:09
